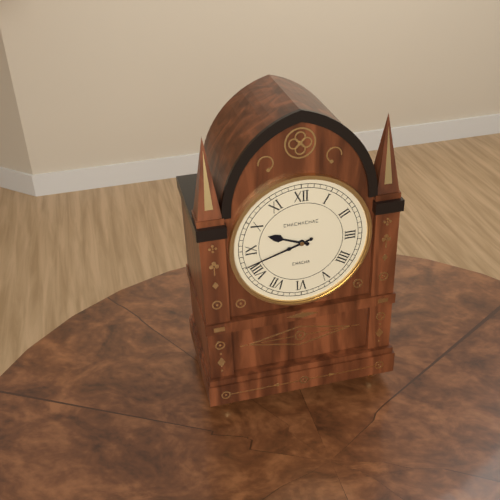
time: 9:42
